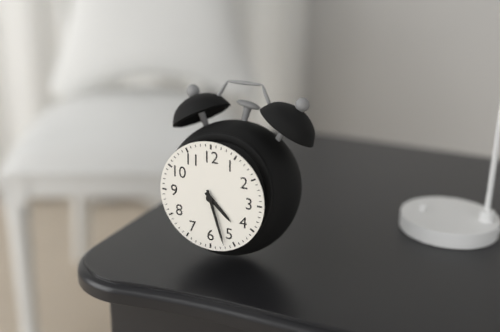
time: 4:27
